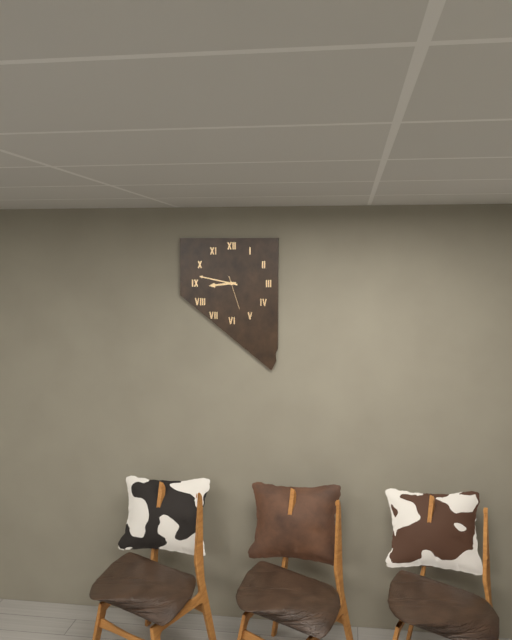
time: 8:47
